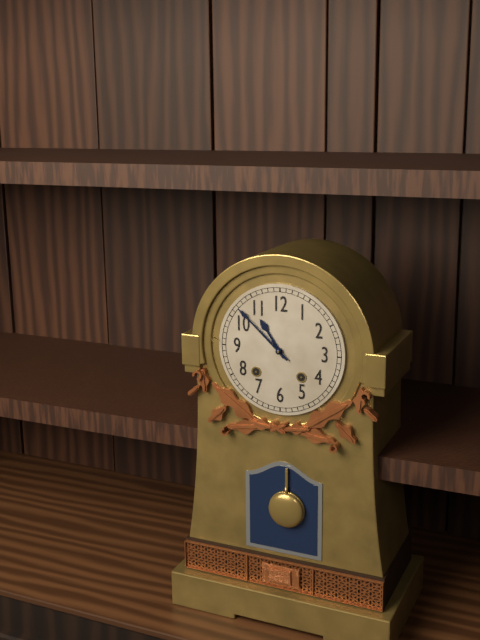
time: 10:52
